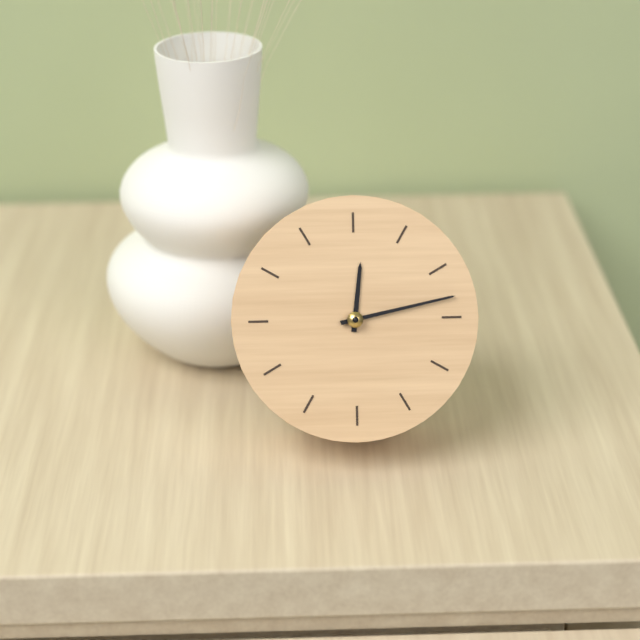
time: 12:13
